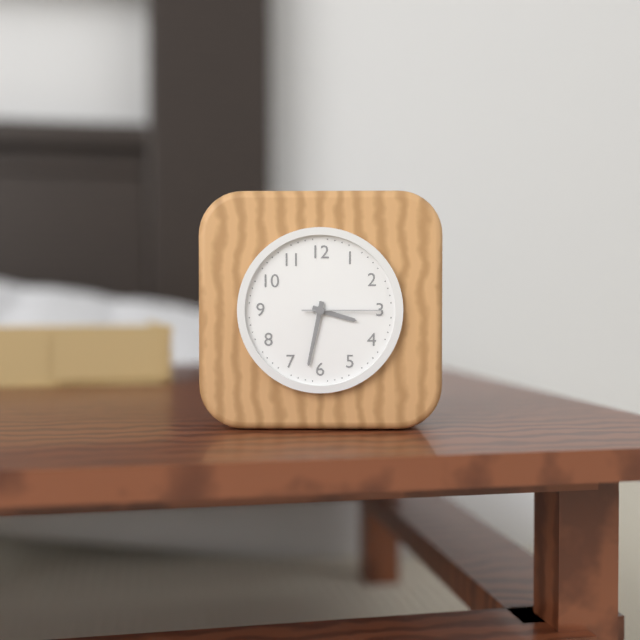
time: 3:32:15
